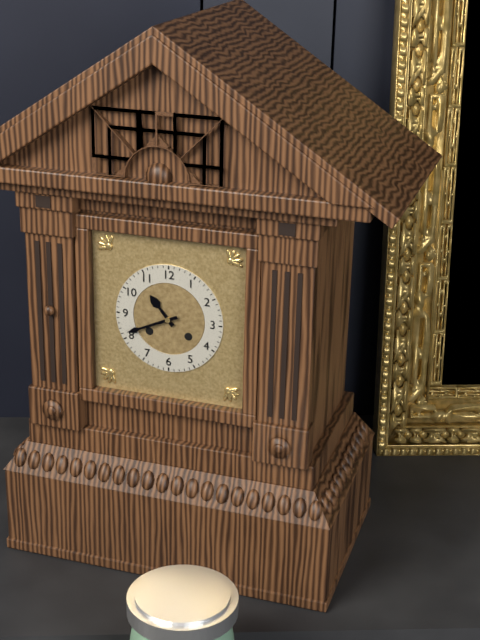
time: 10:41
